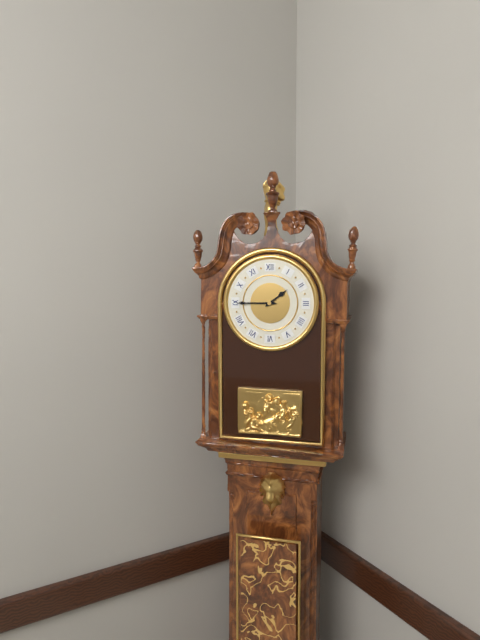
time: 1:45
